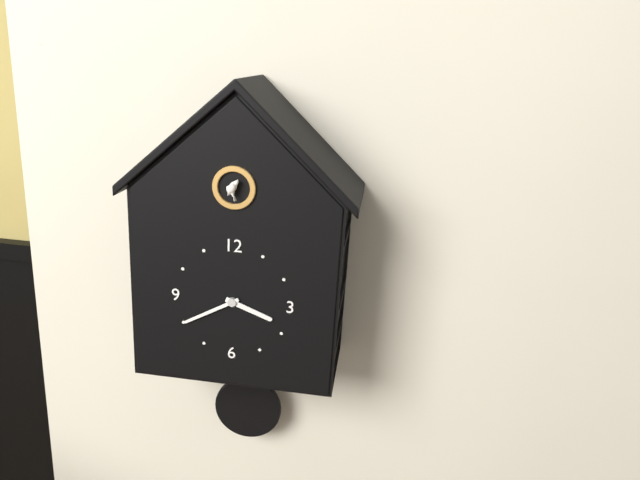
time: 3:40
